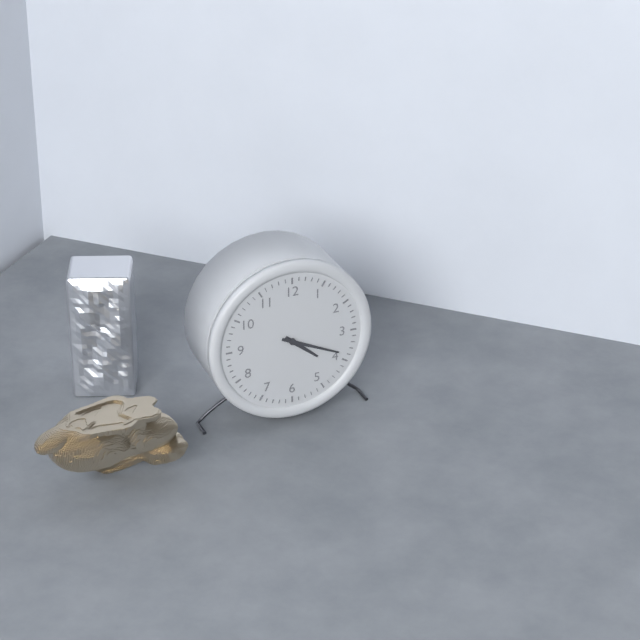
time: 4:19
